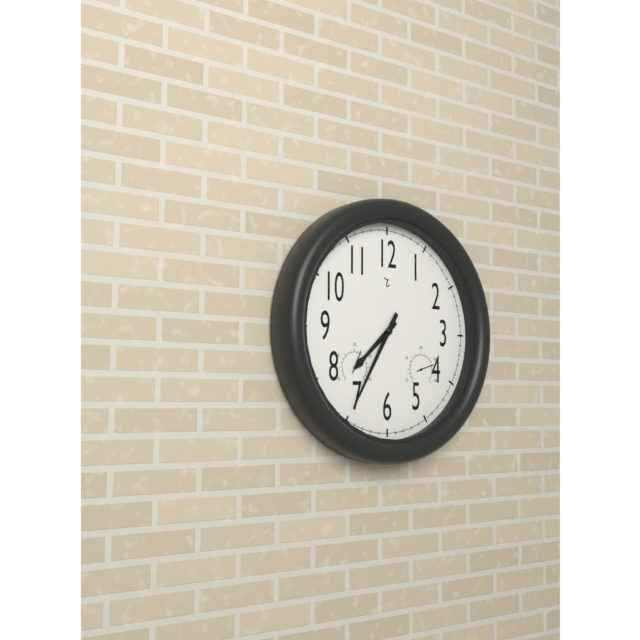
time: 7:35
